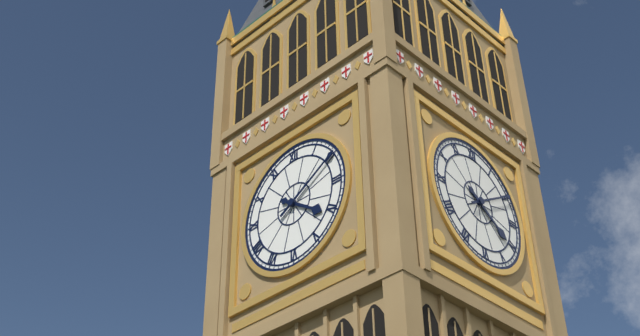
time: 4:10
